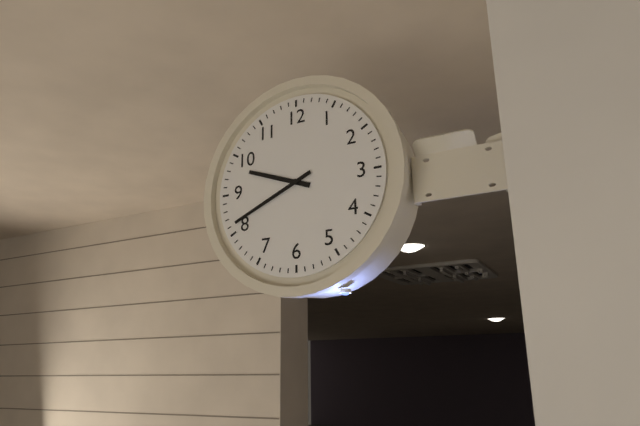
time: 9:41
